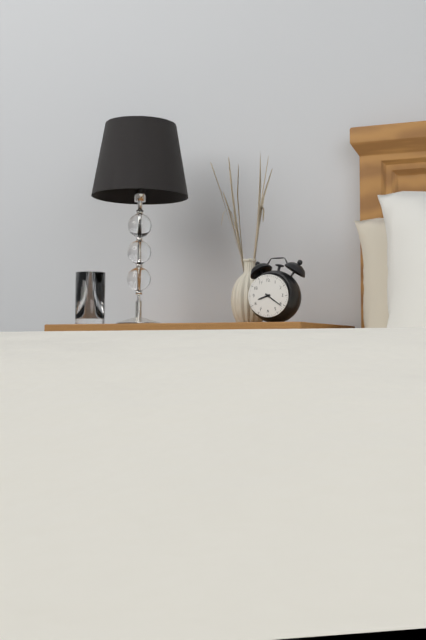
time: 8:21
